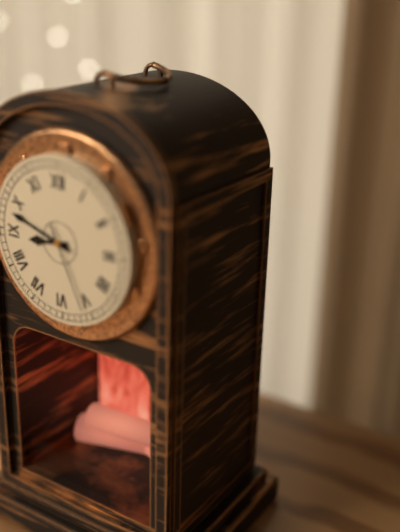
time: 8:48:26
